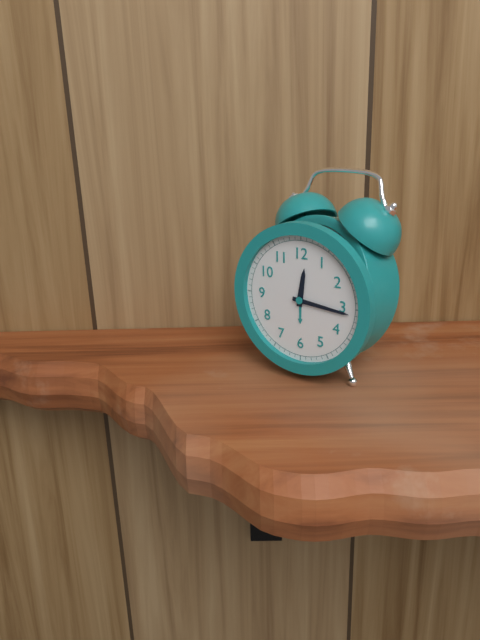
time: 12:16
